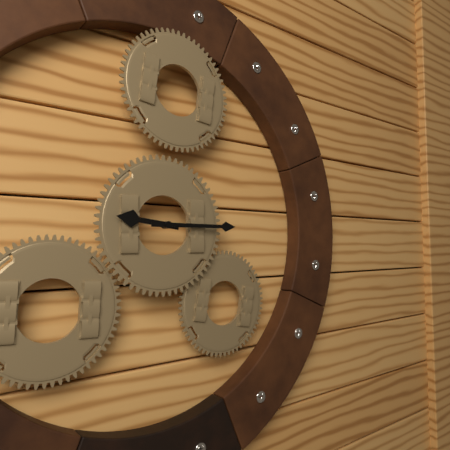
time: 9:15
